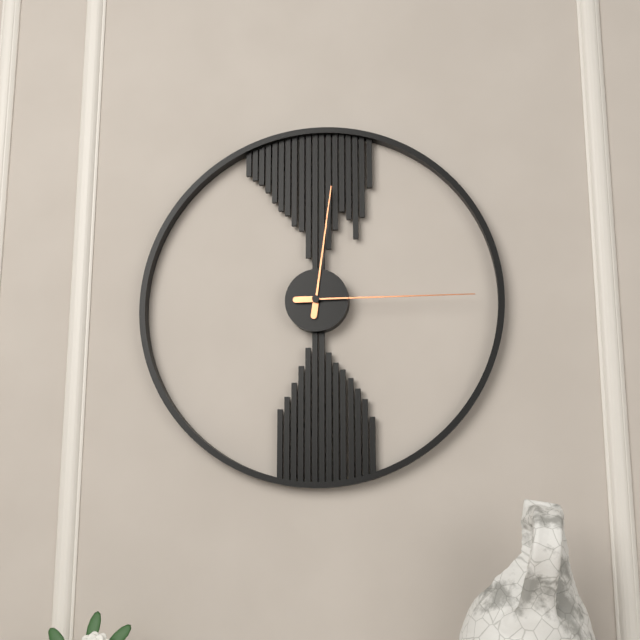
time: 12:15
